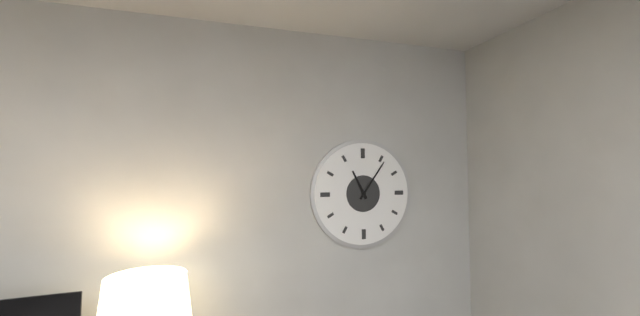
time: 11:06
